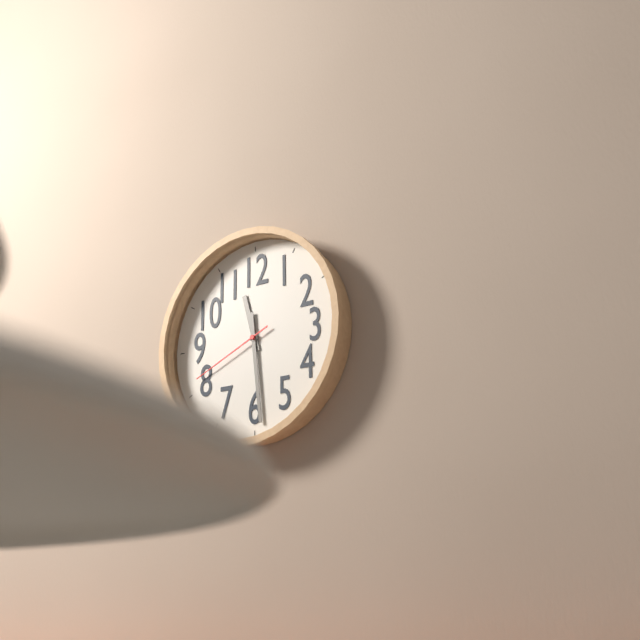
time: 11:29:41
